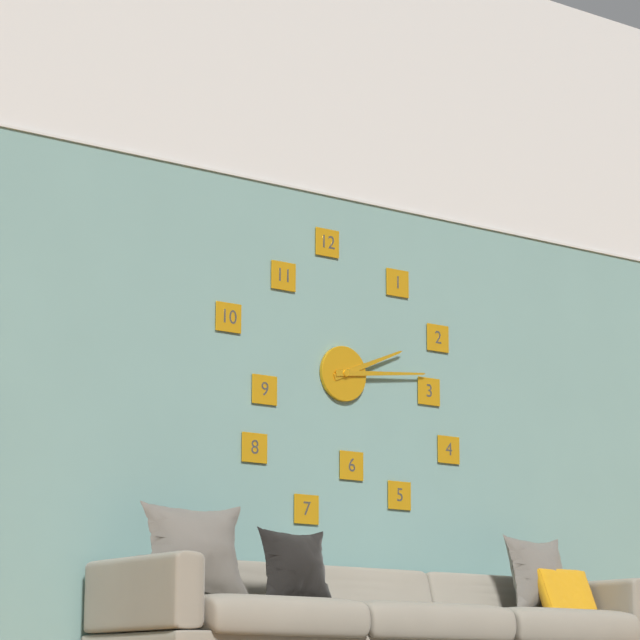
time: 2:14
